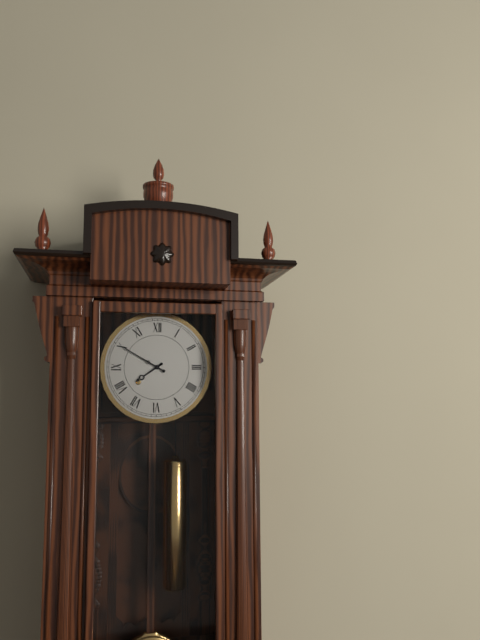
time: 7:50
